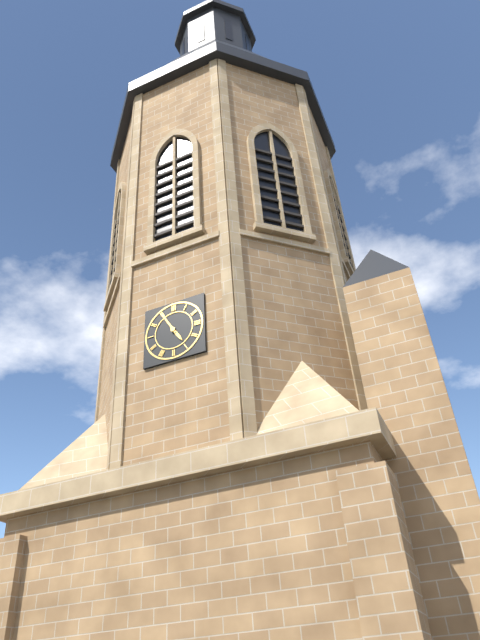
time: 4:55
